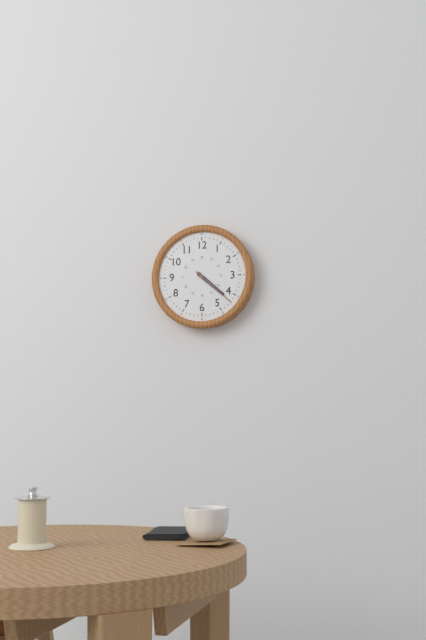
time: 4:22
